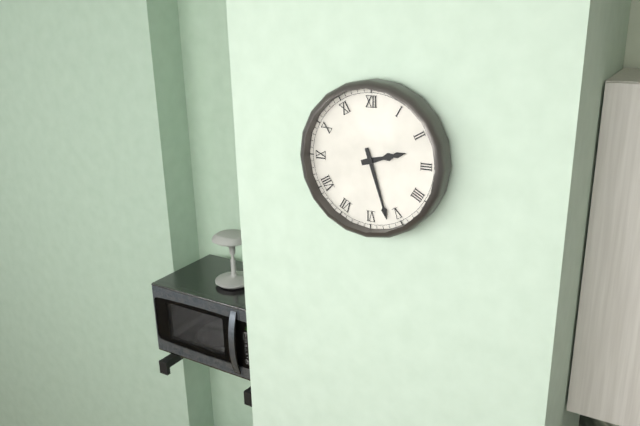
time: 2:27
